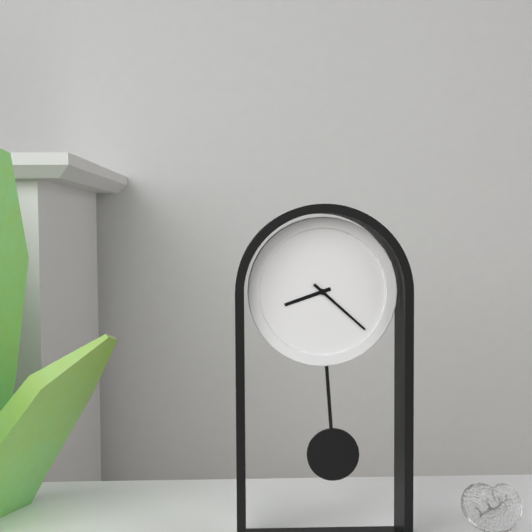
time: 8:22
